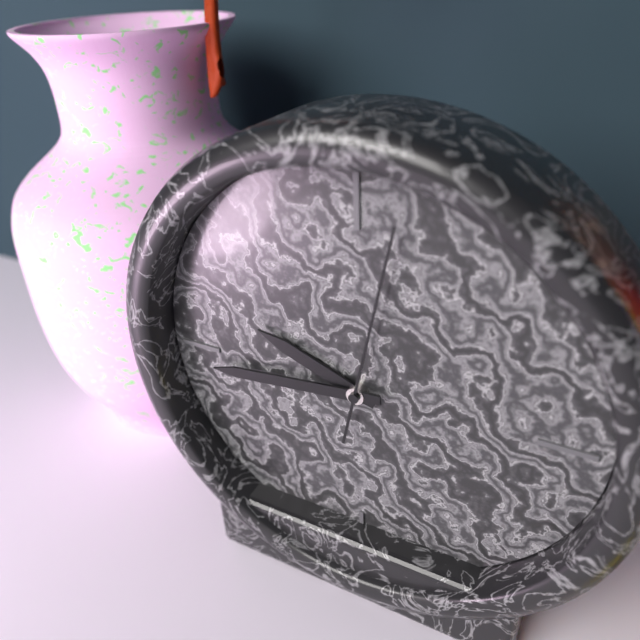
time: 9:44:02
